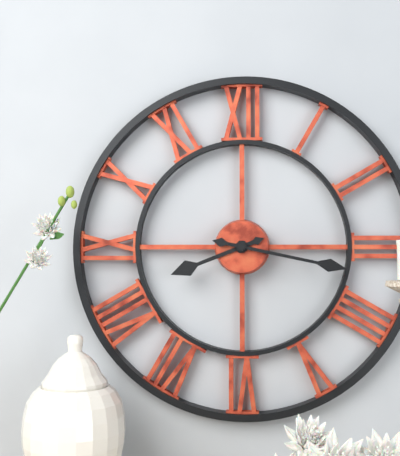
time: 8:17
